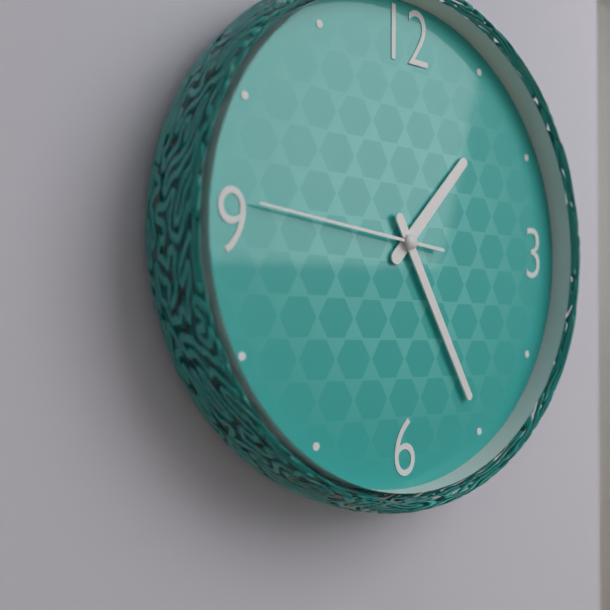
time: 1:25:46
